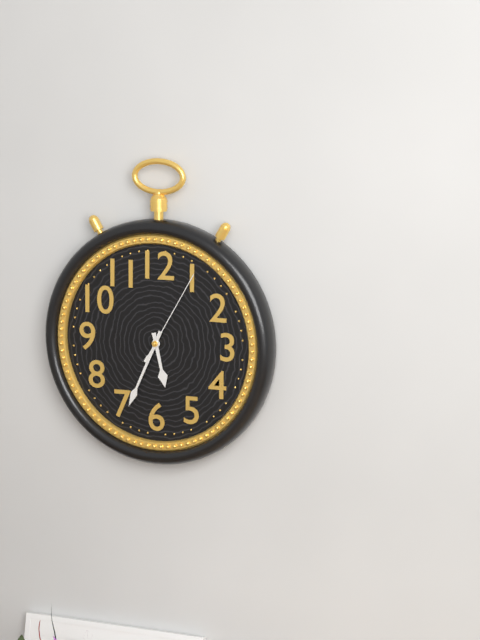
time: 5:34:05
